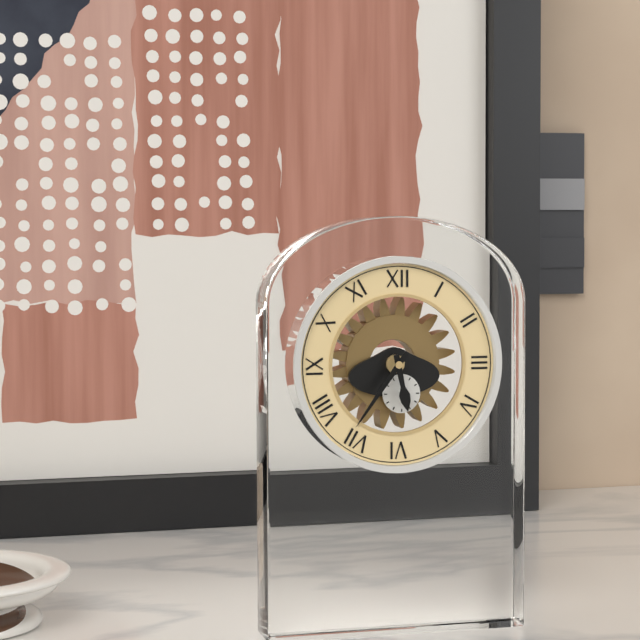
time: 5:36
